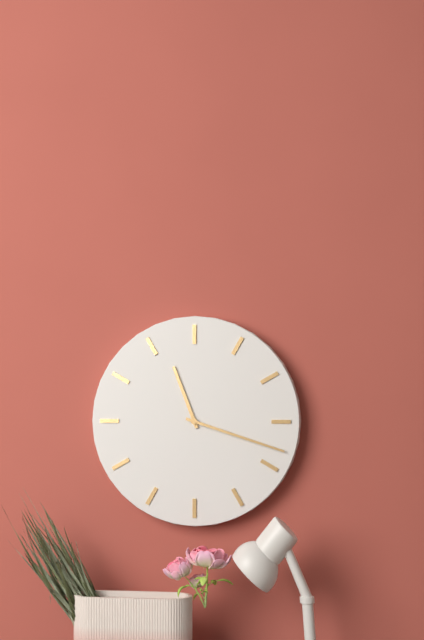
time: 11:18
